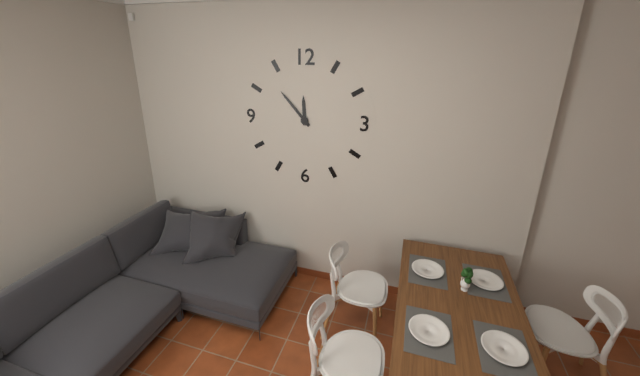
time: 11:53
